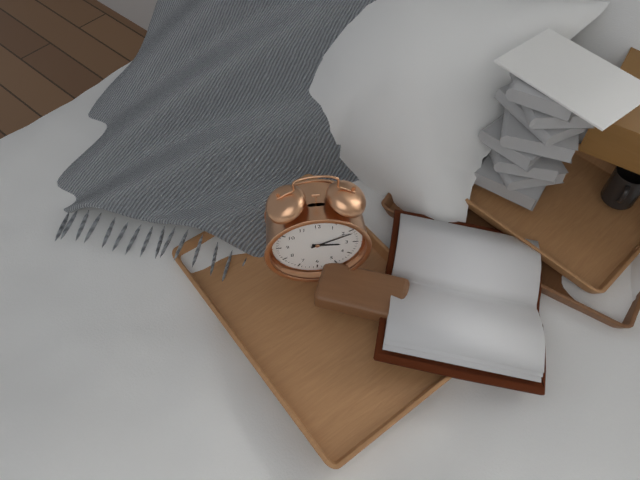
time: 3:11
